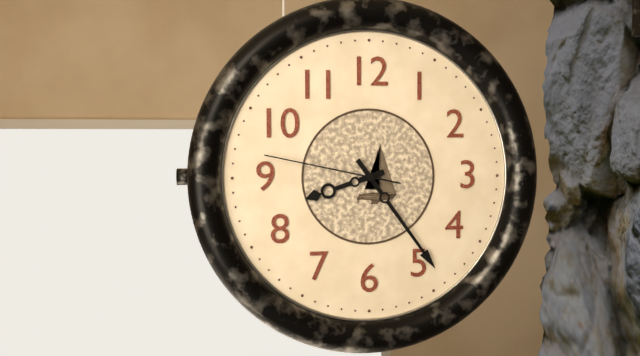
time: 8:24:47
